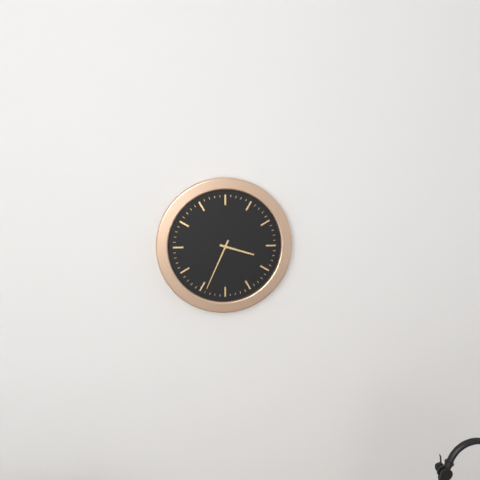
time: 3:34
